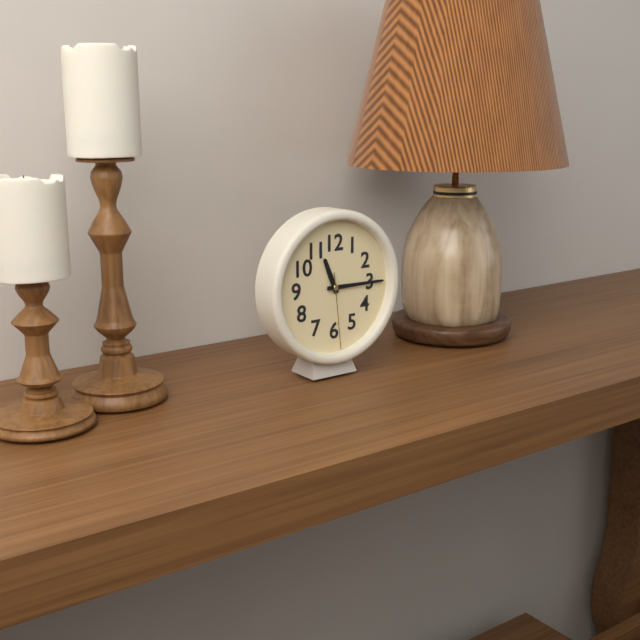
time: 11:15:29
